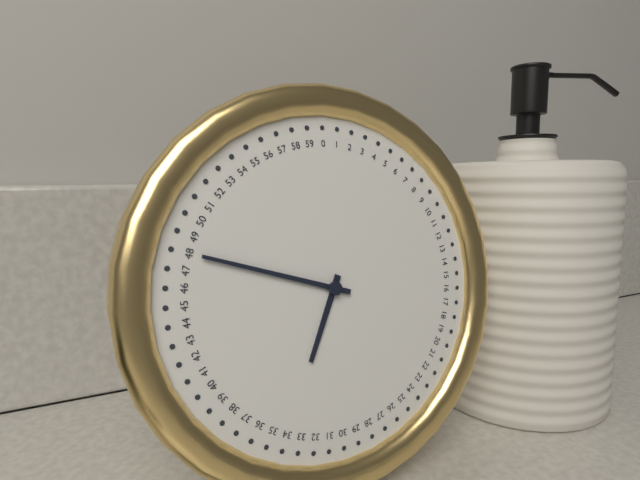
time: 6:48
